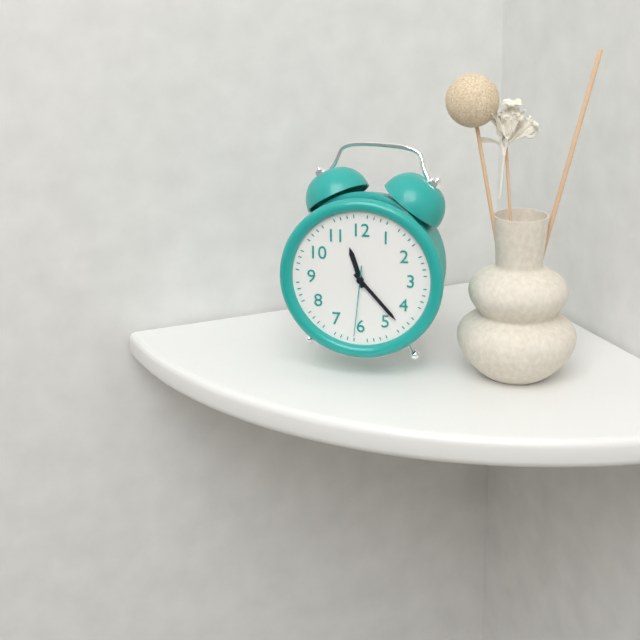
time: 11:23:31
